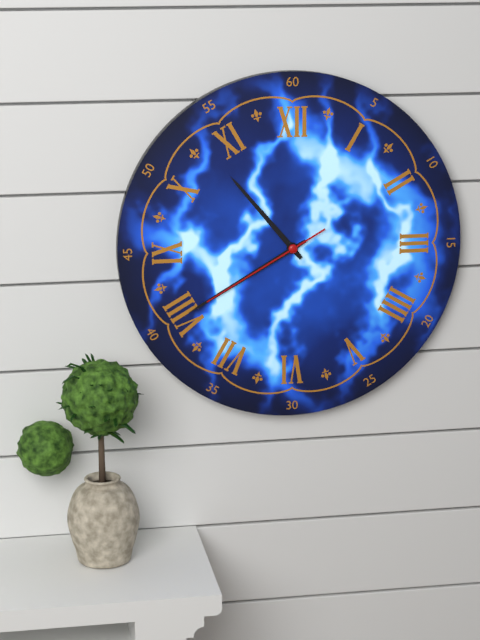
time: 10:40:40
